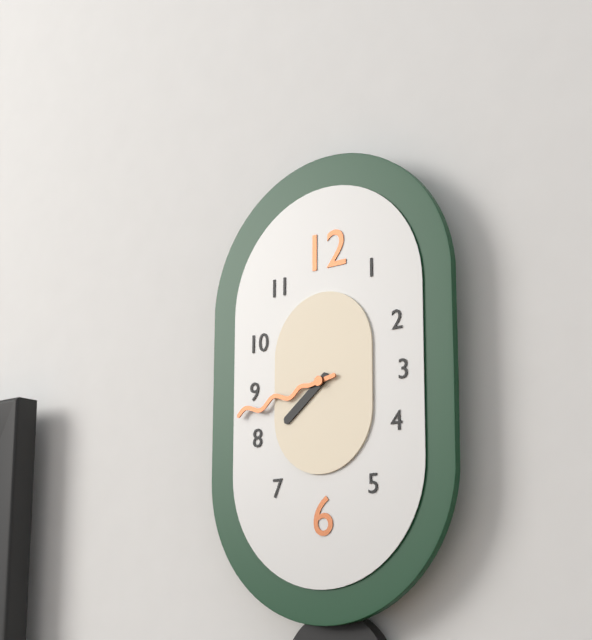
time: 7:43
